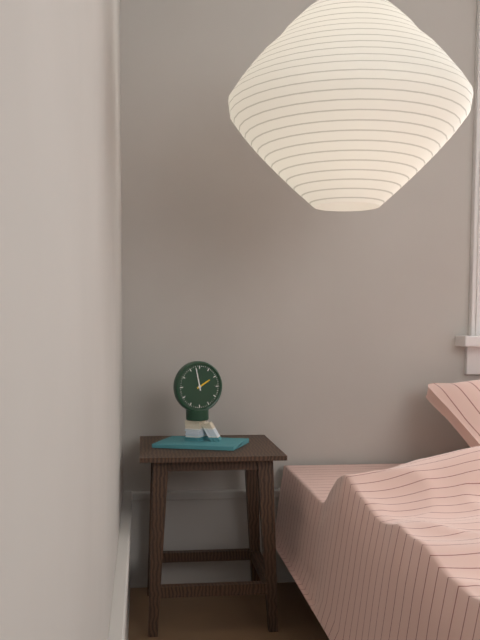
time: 1:58
